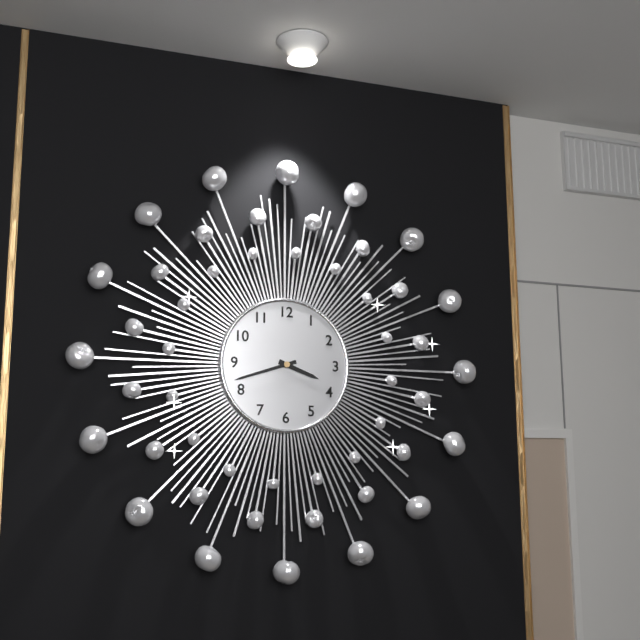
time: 3:42
